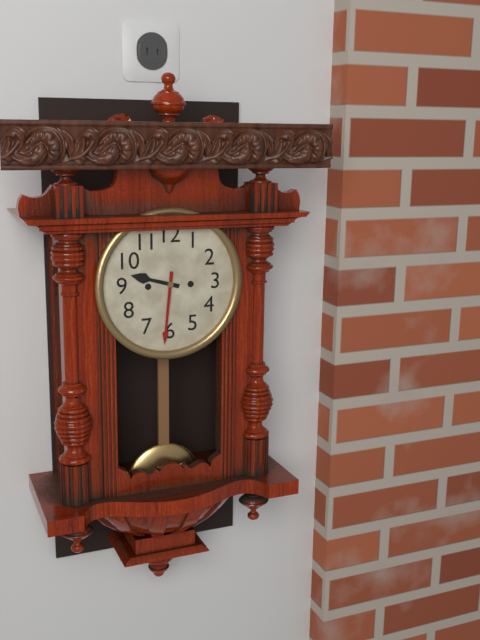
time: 9:31
